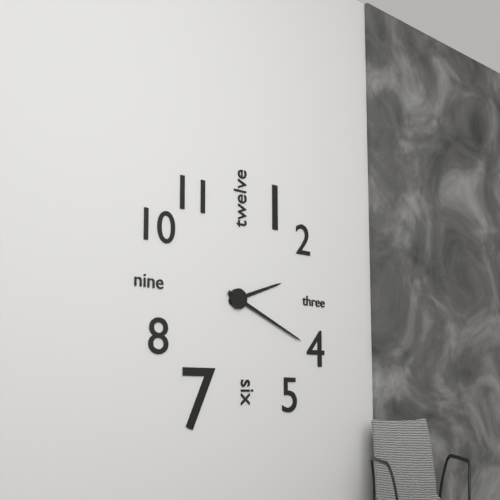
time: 2:19
